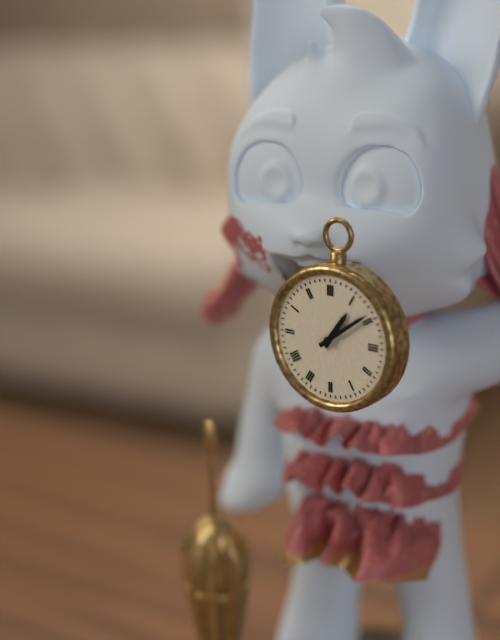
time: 1:09
